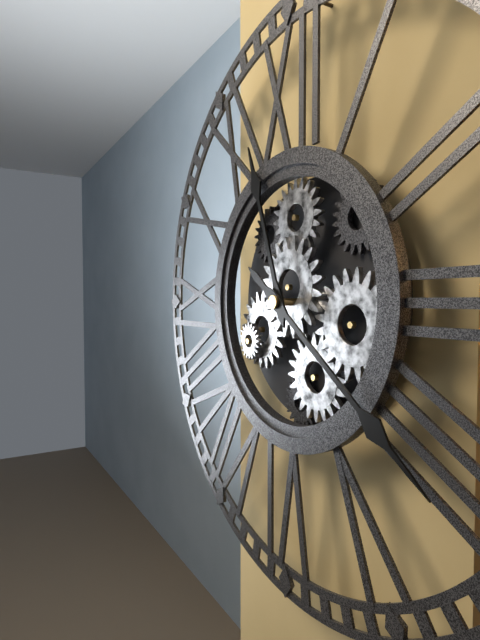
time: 11:21
